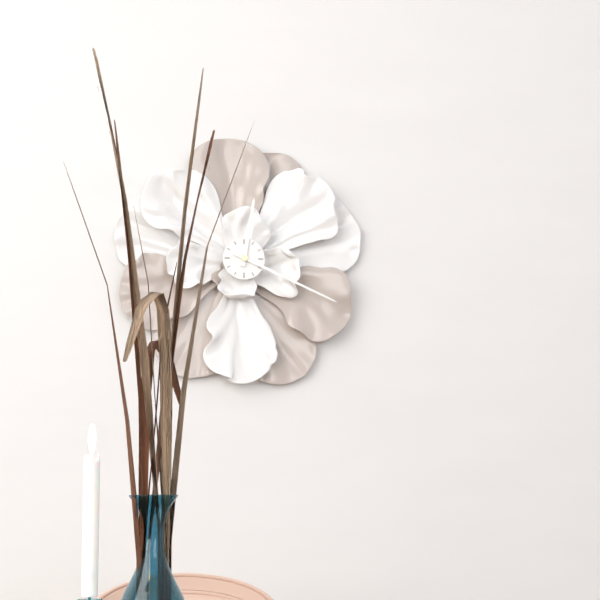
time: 12:19
